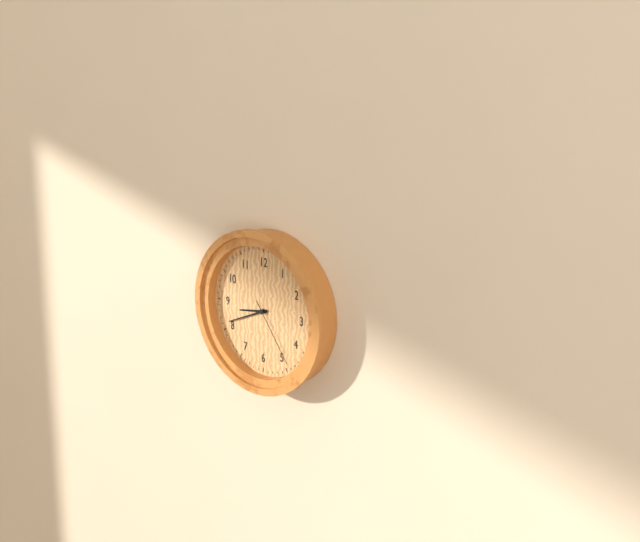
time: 8:41:24
